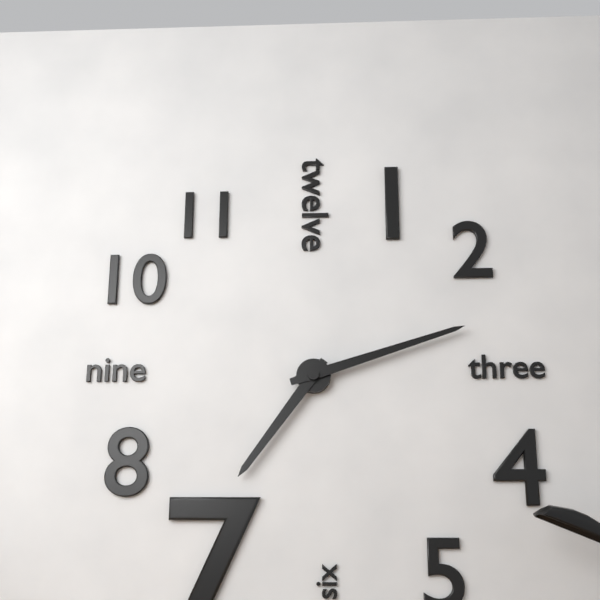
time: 7:12
